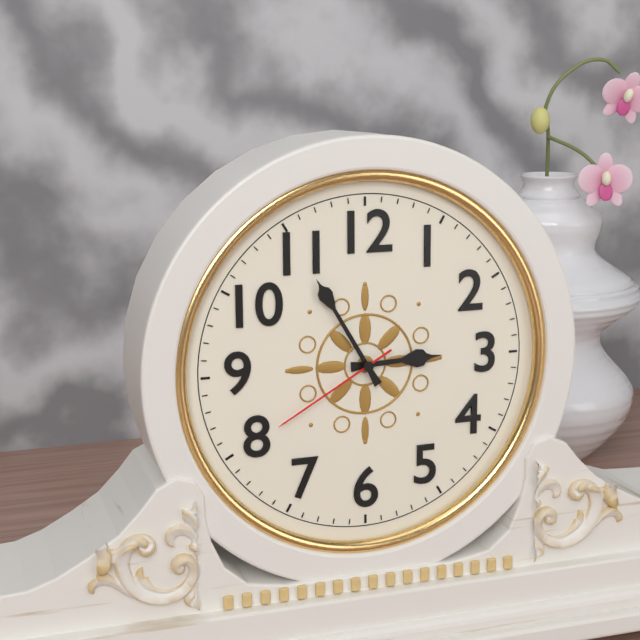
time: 2:55:40
